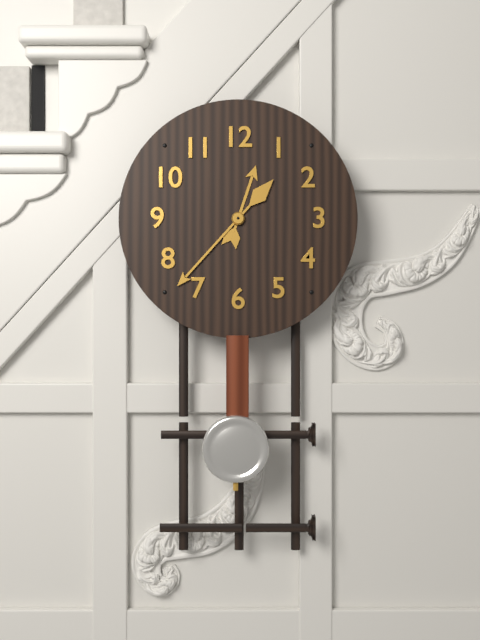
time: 12:37
